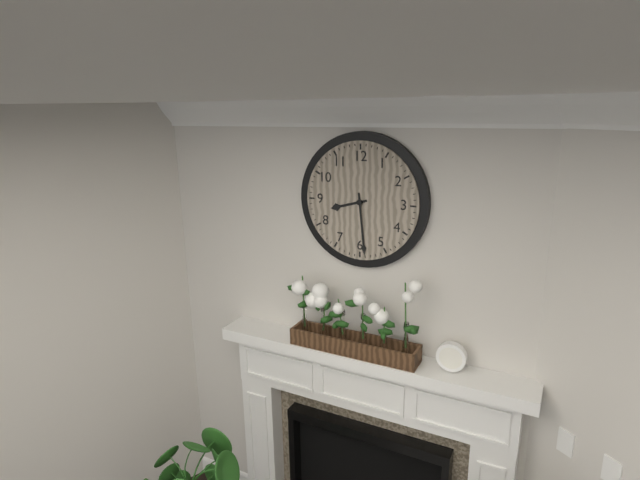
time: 8:29
